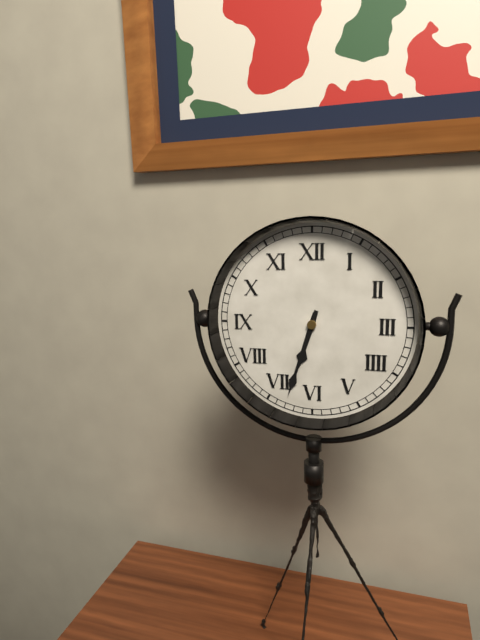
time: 6:33
